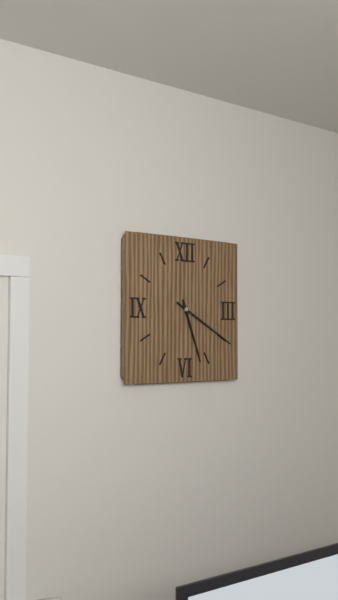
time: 5:20
